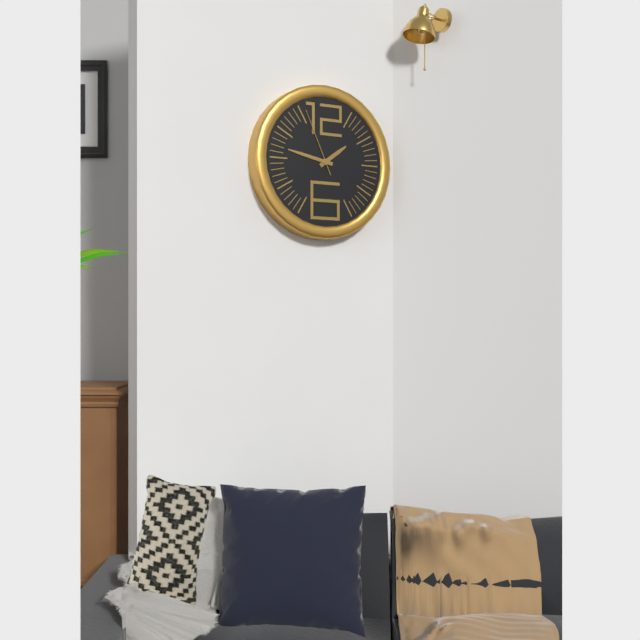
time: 1:47:56
